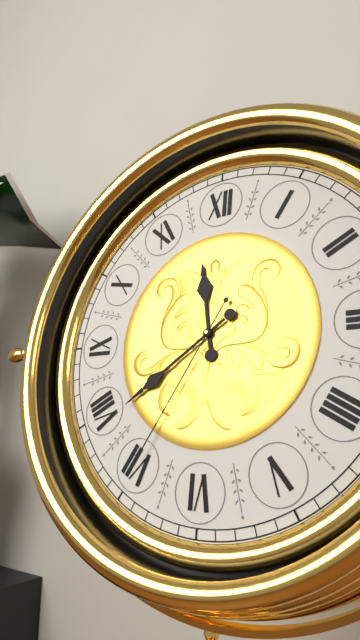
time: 11:39:35
